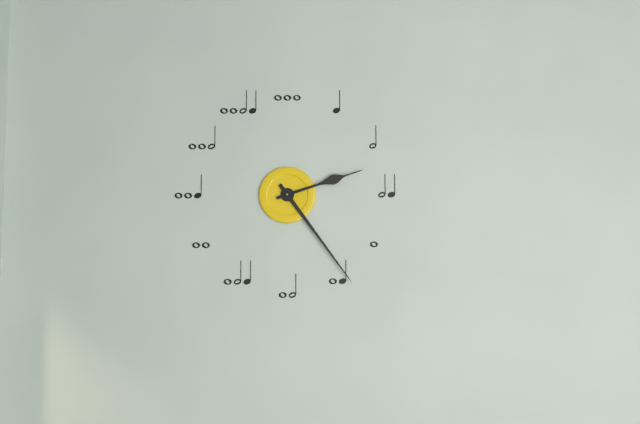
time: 2:24
